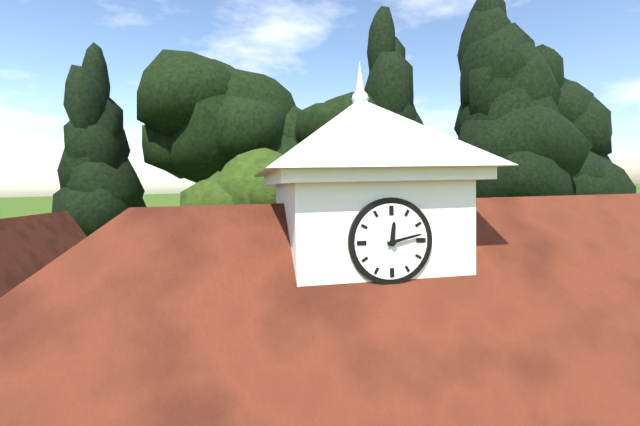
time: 12:13
